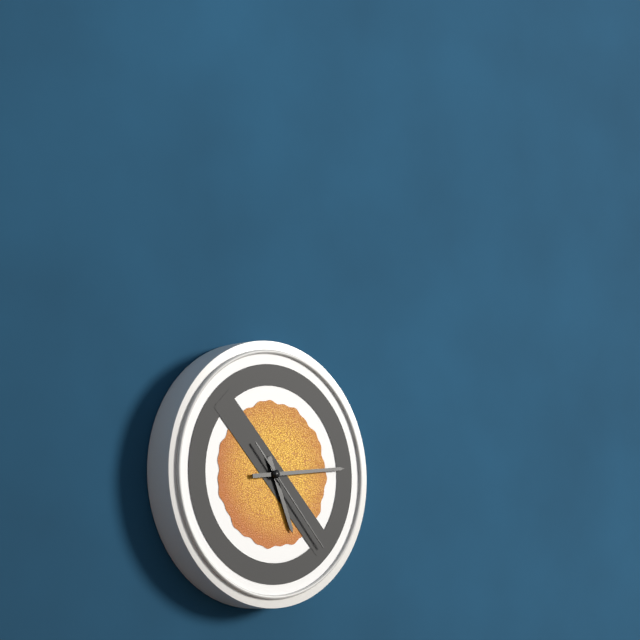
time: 5:14:23
